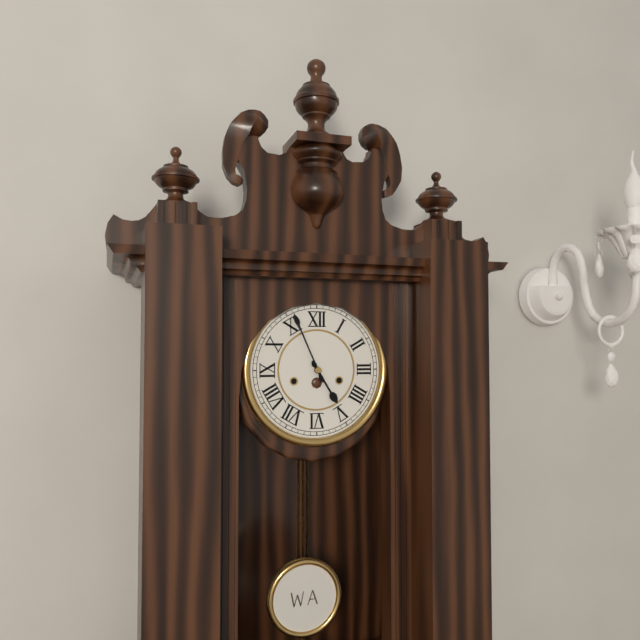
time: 4:56
